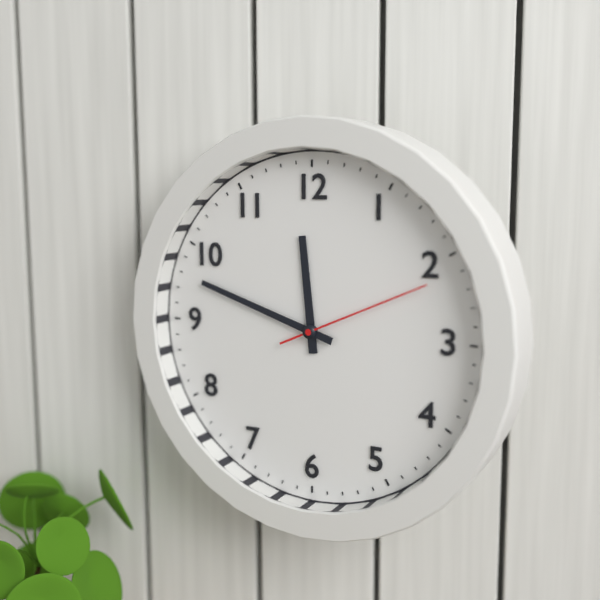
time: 11:48:11
